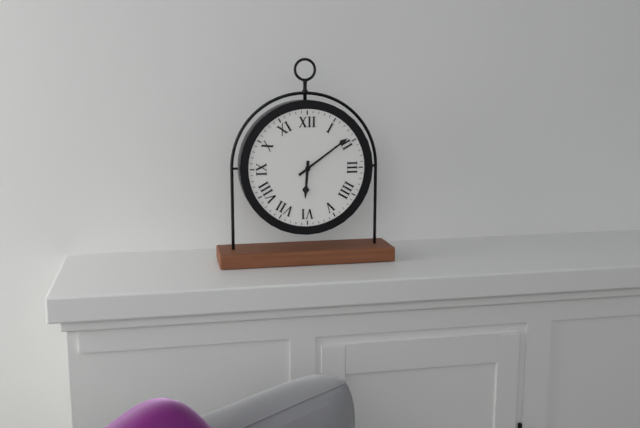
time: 6:09
